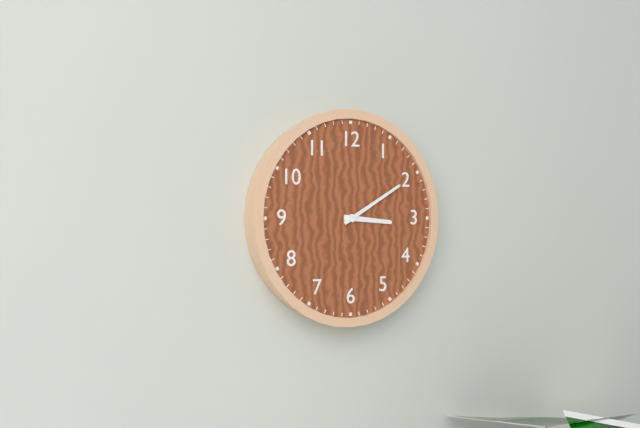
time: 3:10
